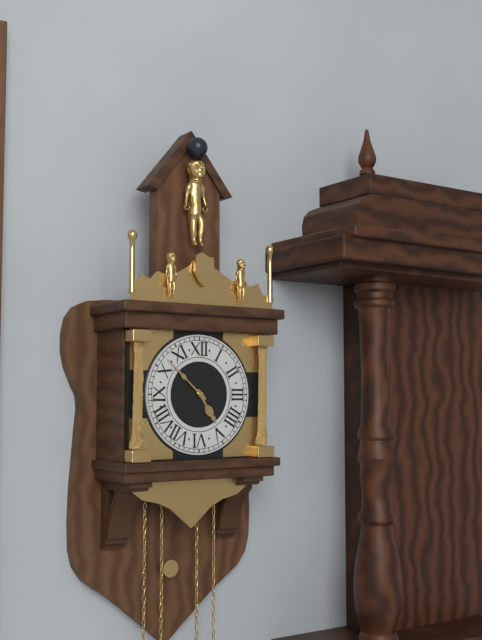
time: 4:52
